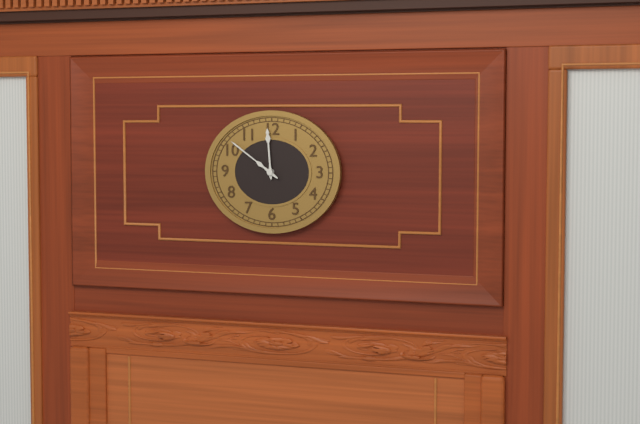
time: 11:51
